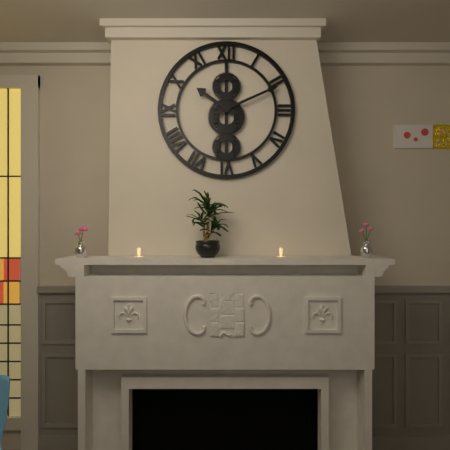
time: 10:11
